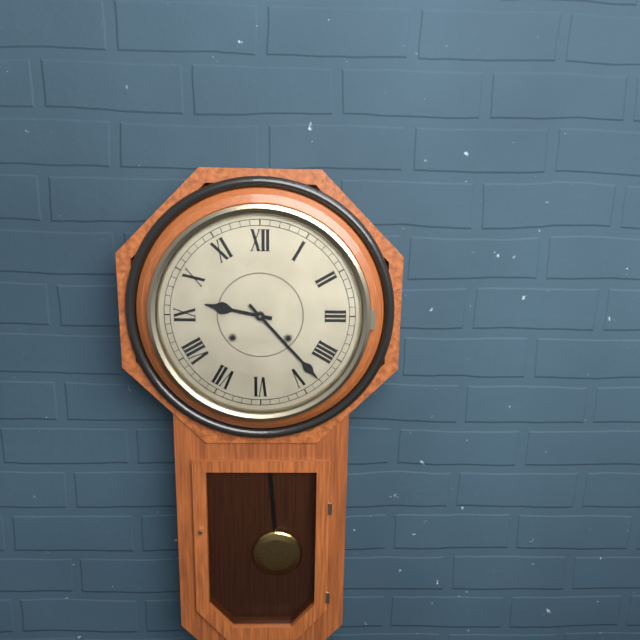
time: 9:23
